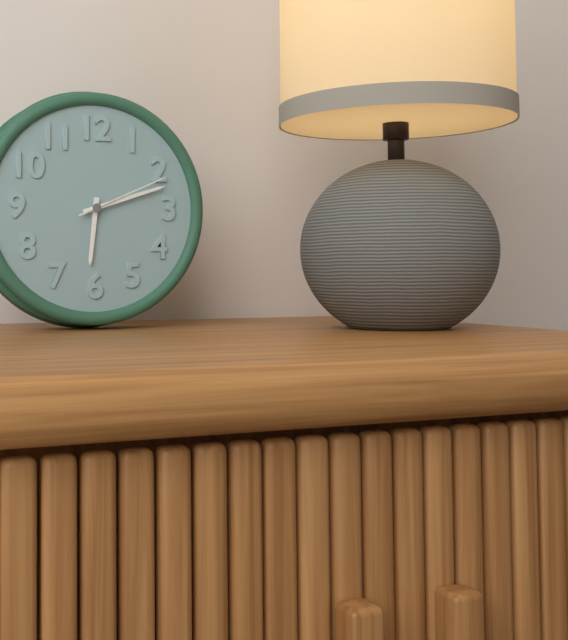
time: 6:12:11
